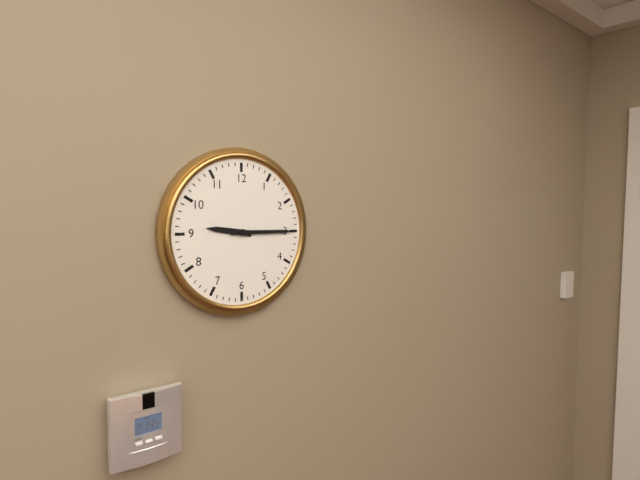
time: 9:15
